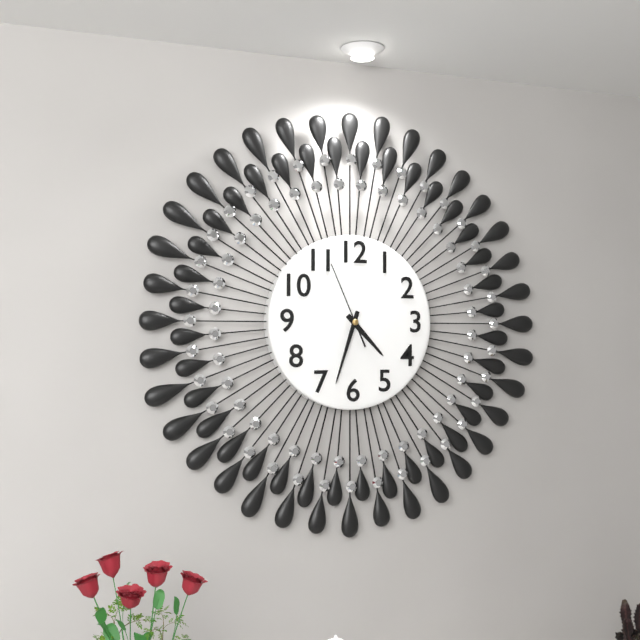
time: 4:33:56
